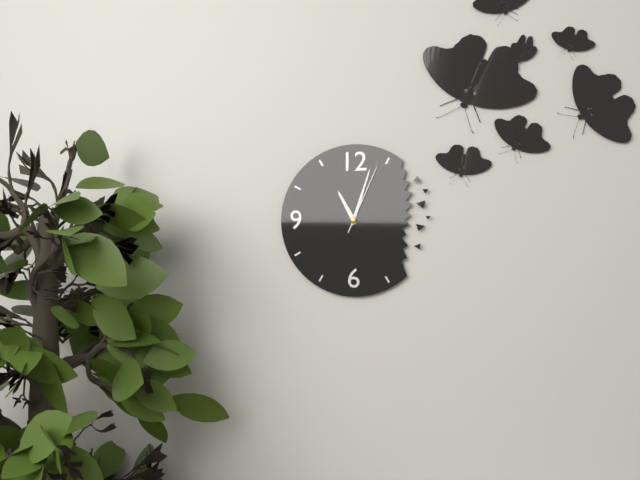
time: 11:03:04
